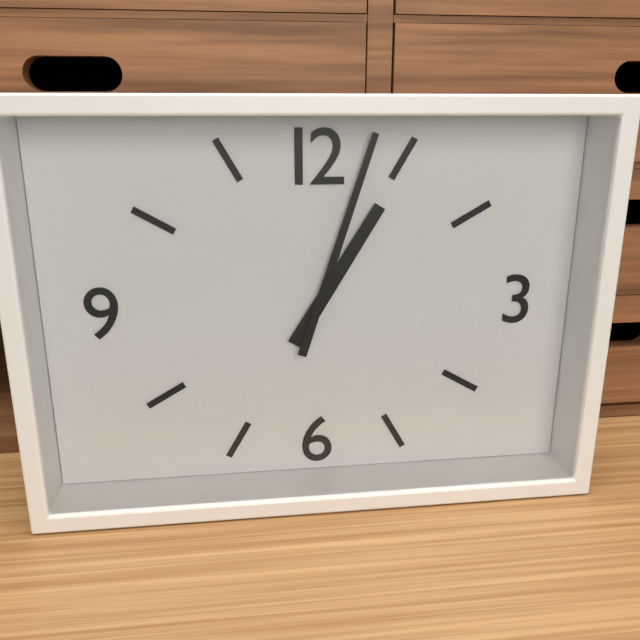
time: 1:03
